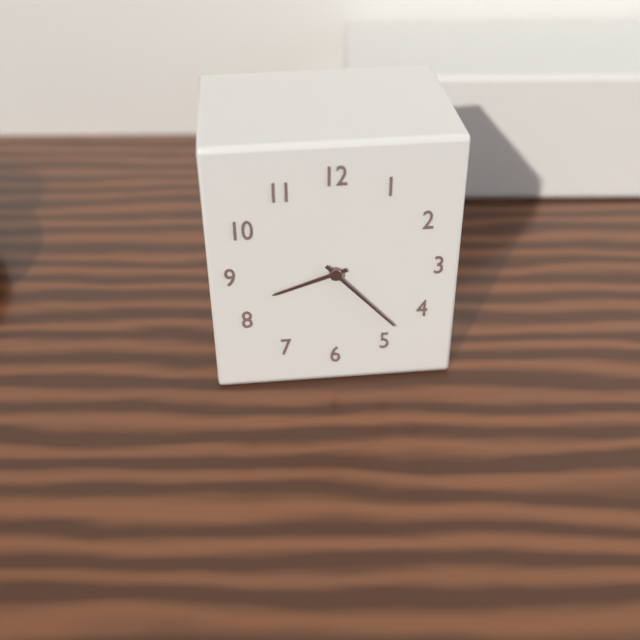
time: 8:23
